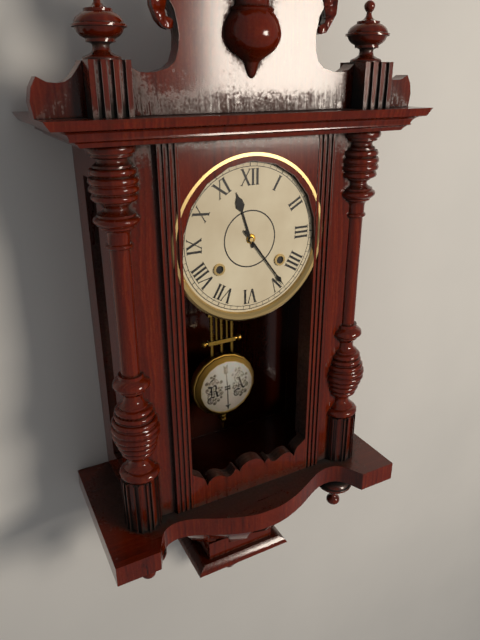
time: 11:24
